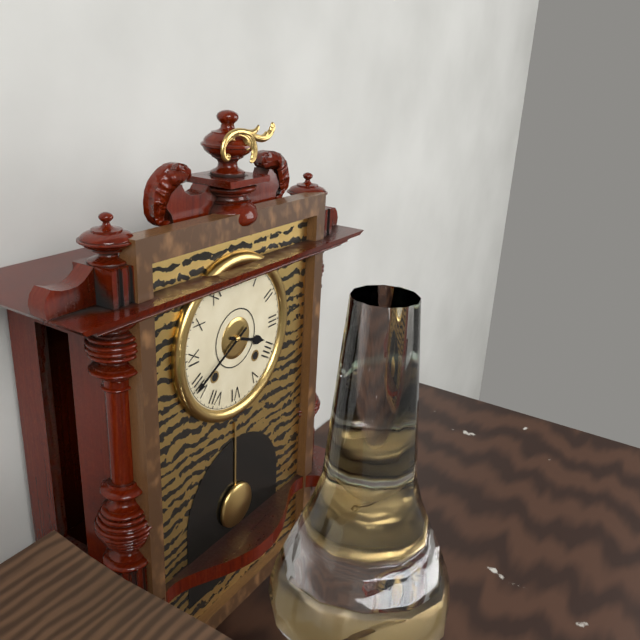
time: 3:40
